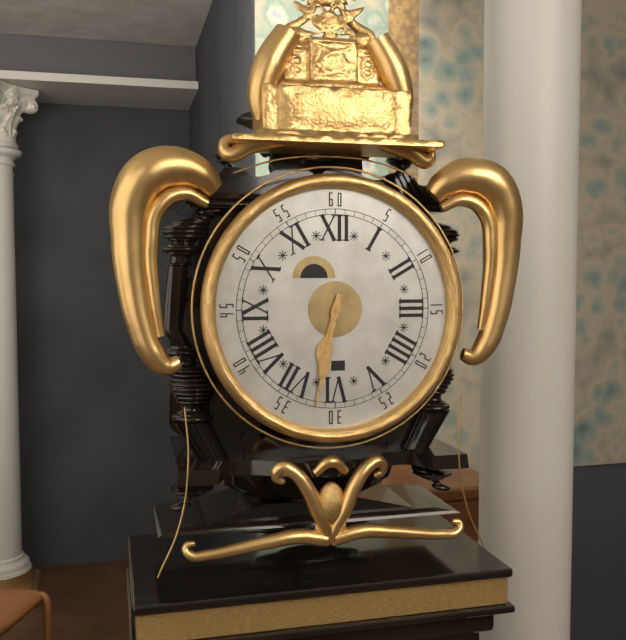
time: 6:32
